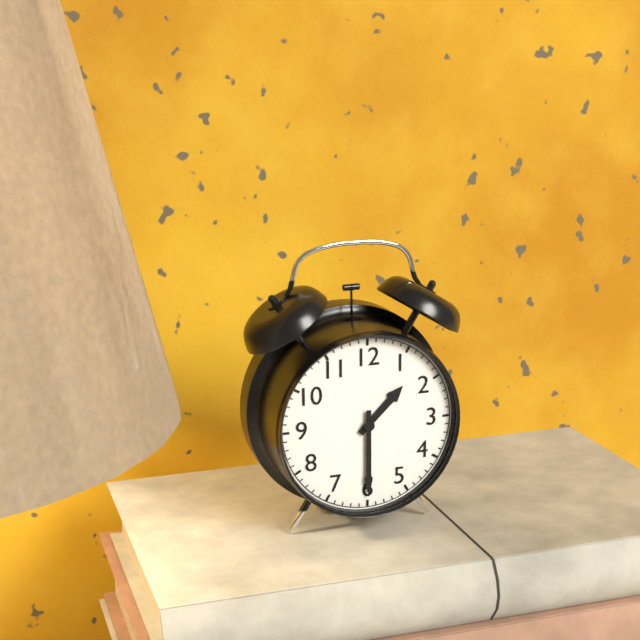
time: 1:30
